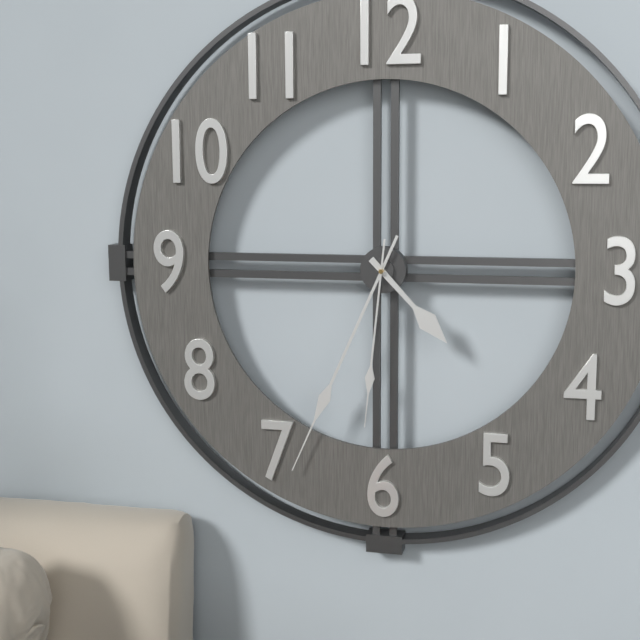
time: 4:34:31
